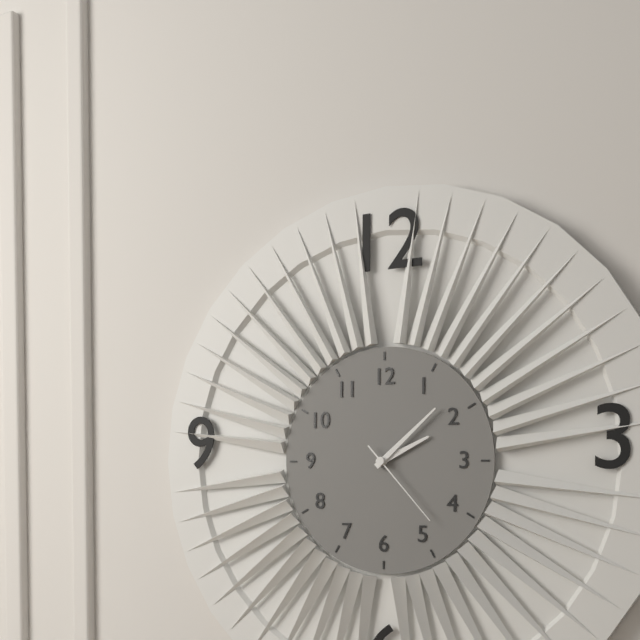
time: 2:08:23
